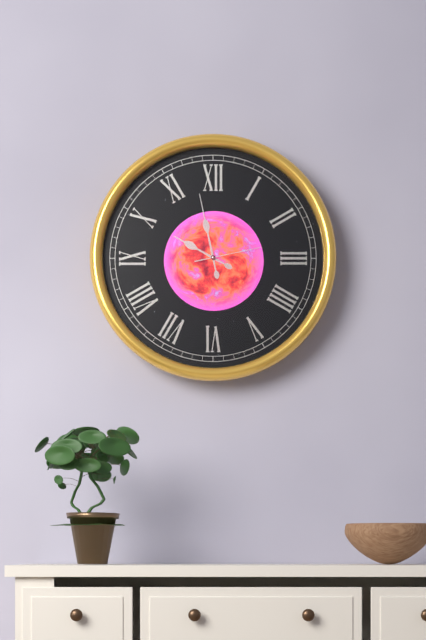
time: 9:58:13
